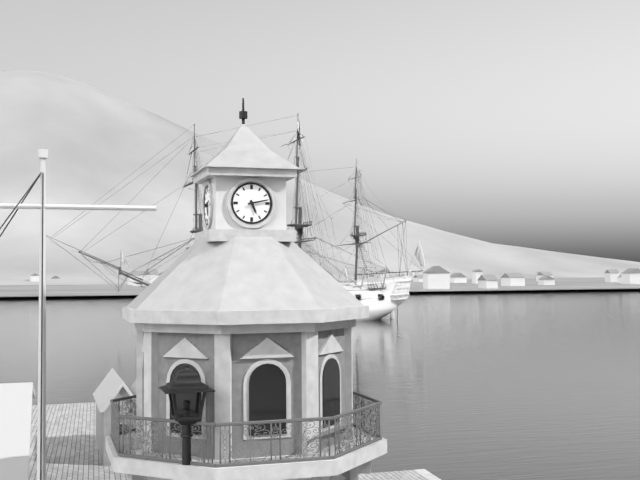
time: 5:13
